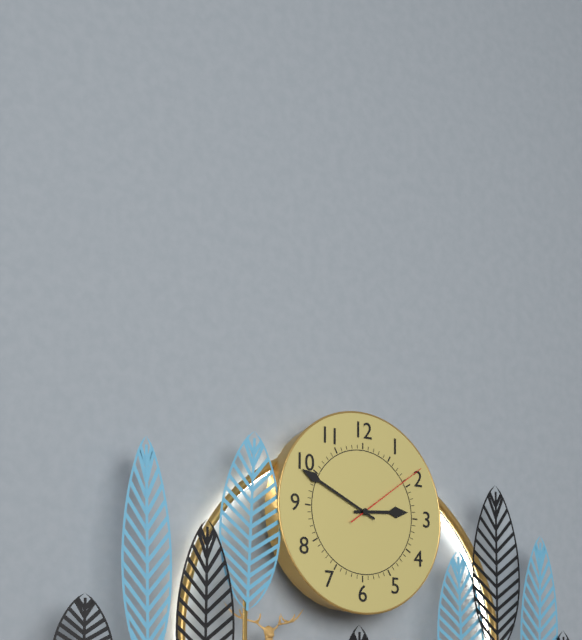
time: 2:49:09
